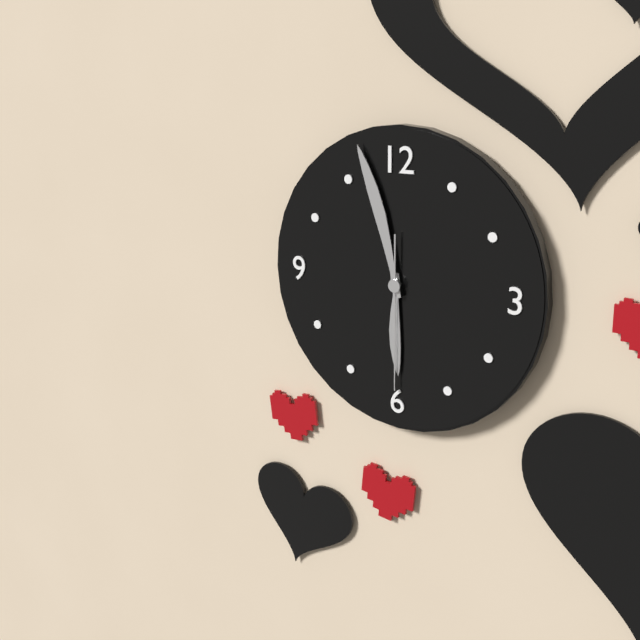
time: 5:57:30
